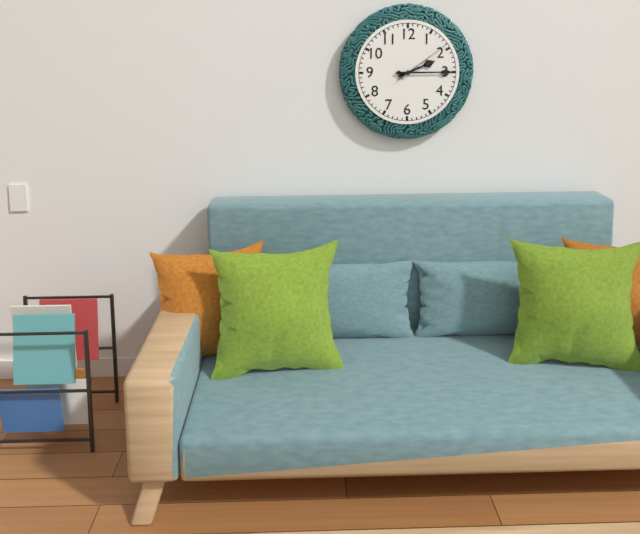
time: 2:15:09
